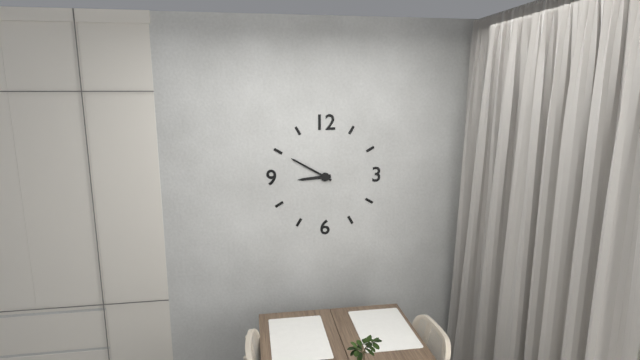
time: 8:50
